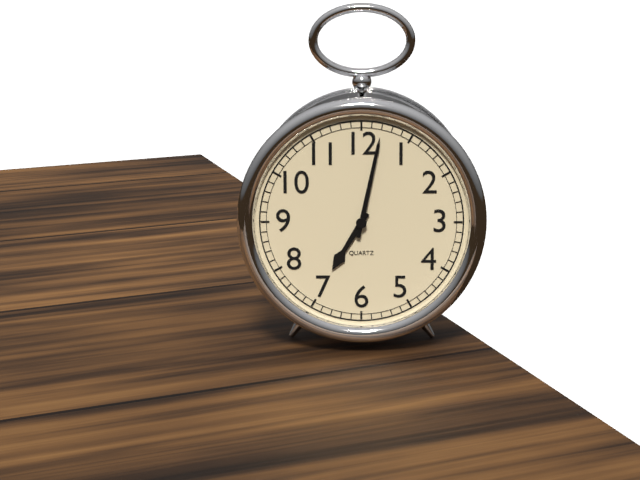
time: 7:02
